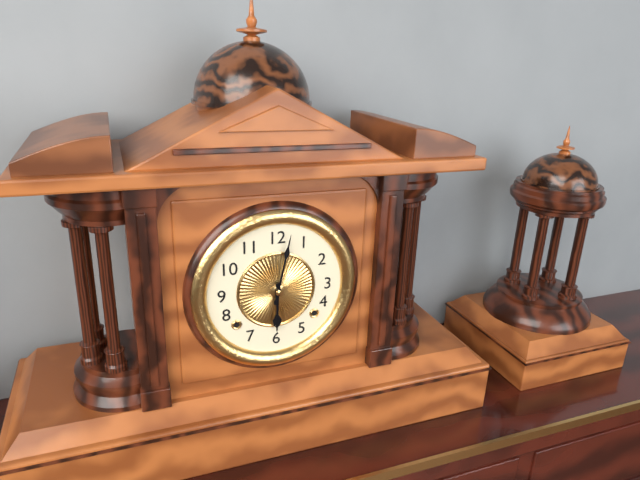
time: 6:02
